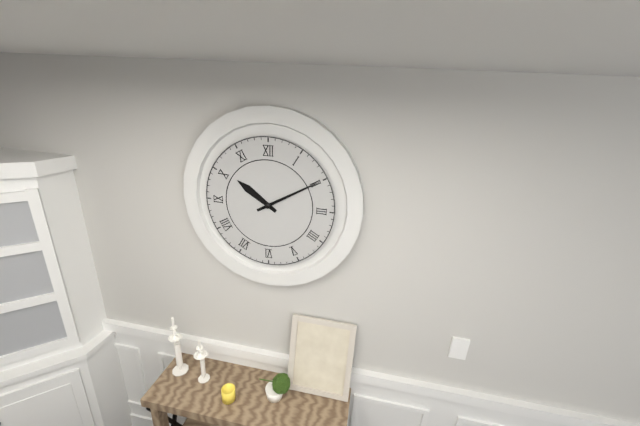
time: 10:10
